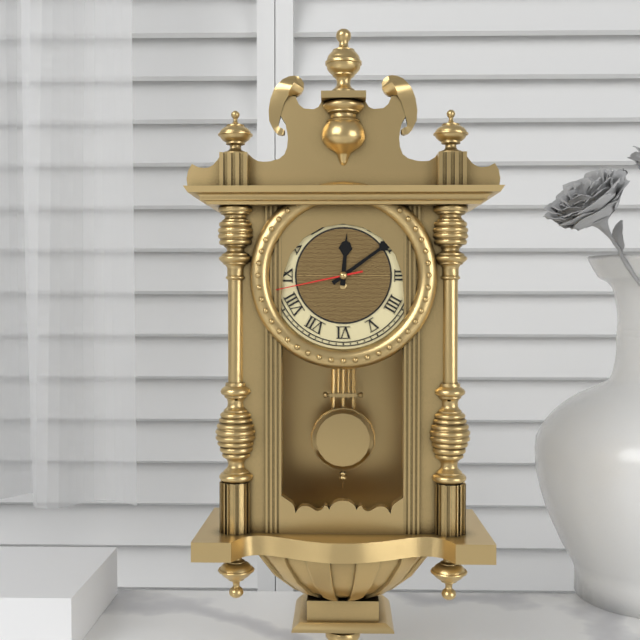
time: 12:09:43
